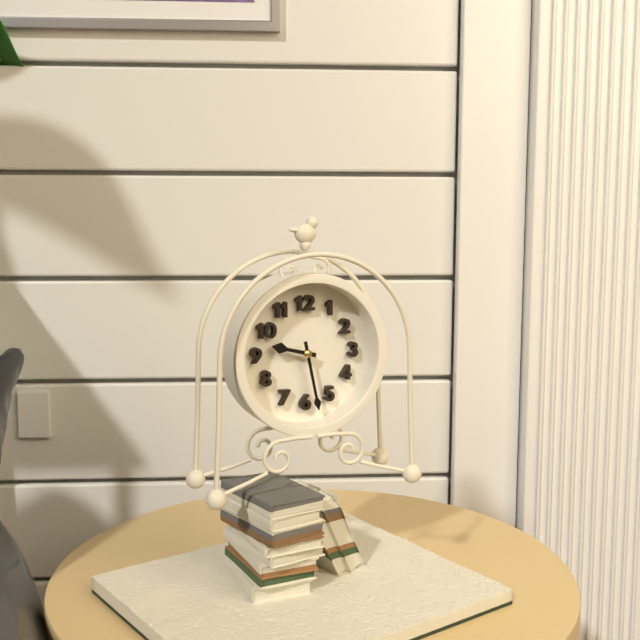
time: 9:28
